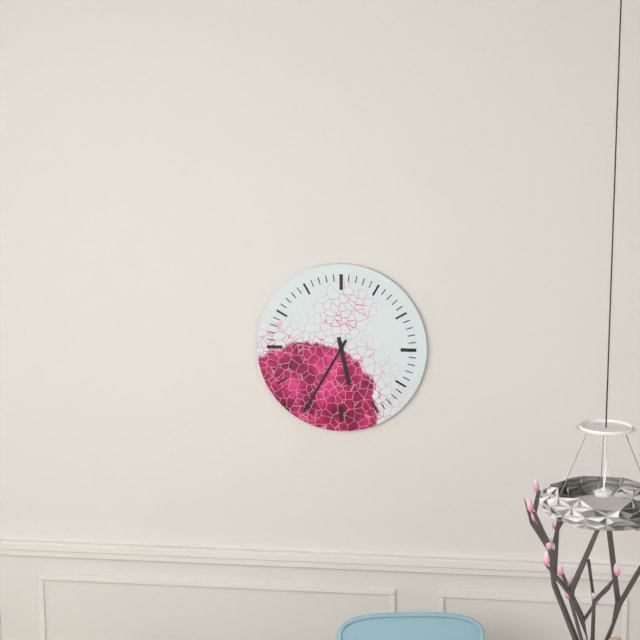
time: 5:35
